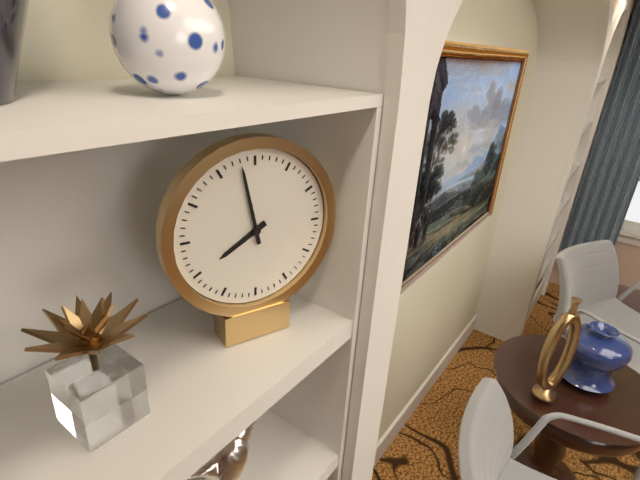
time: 7:58
